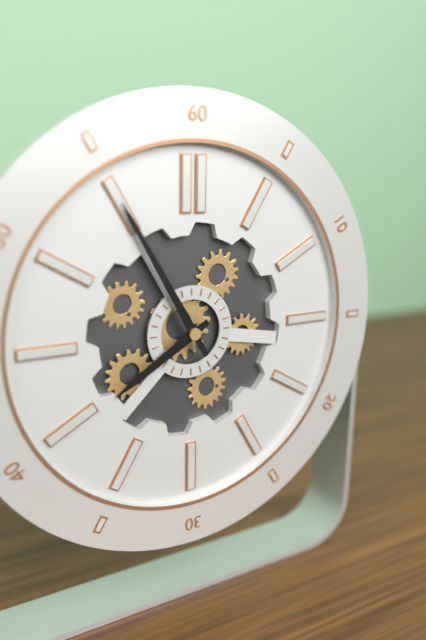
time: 7:55
